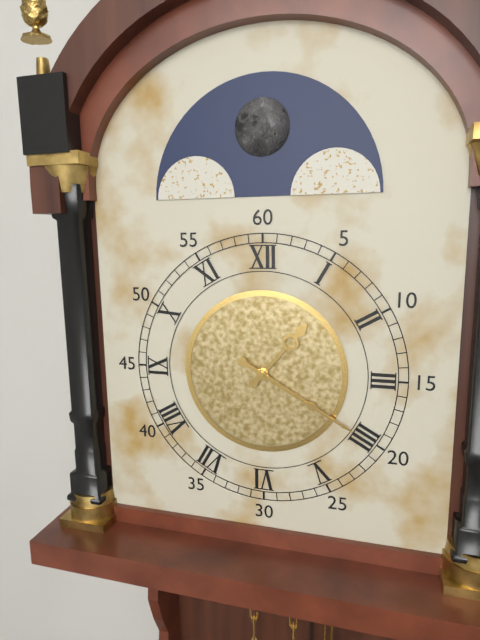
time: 1:20
